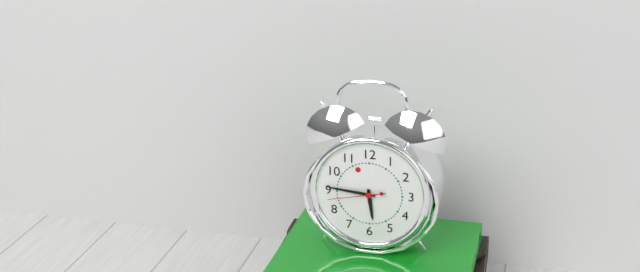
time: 5:46:43
